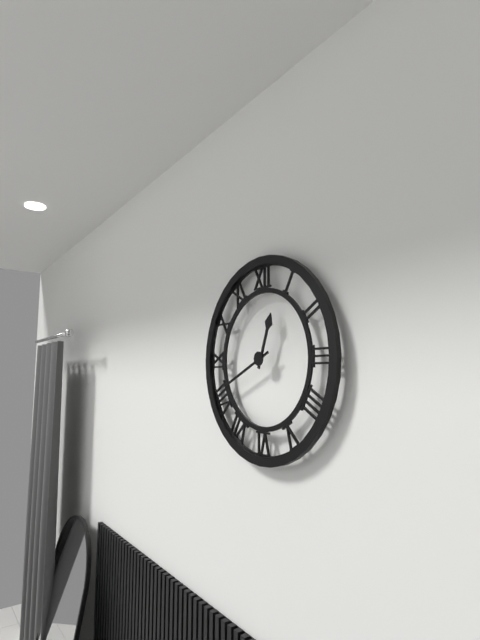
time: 12:41
